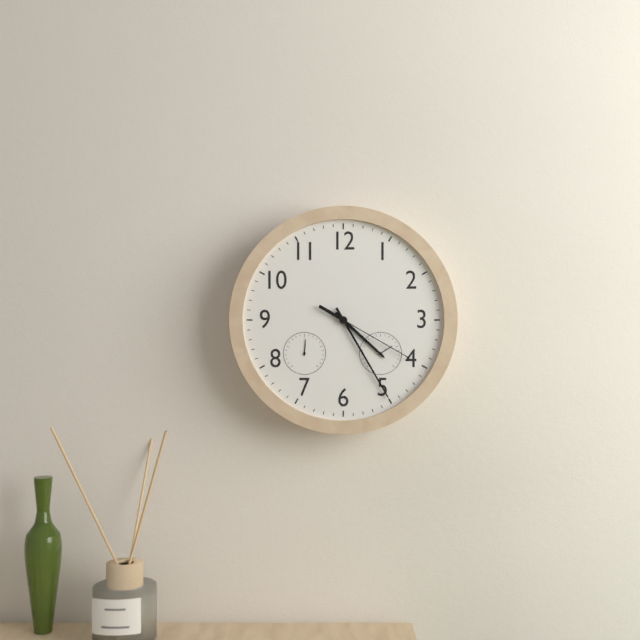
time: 4:25:20
